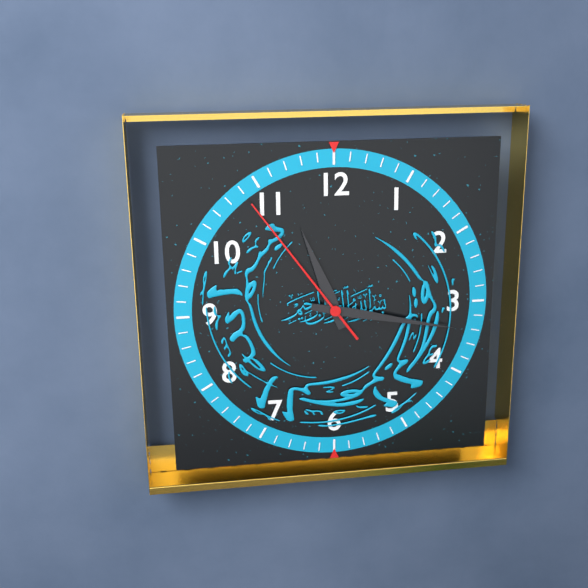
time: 11:17:54
